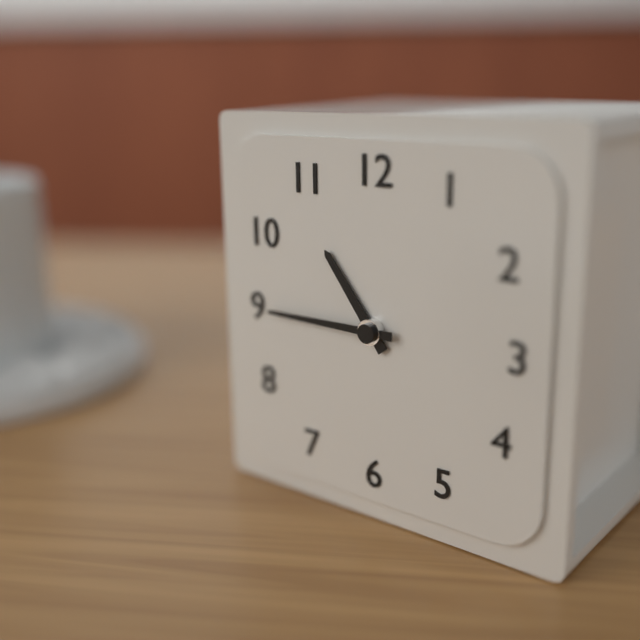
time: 10:45
